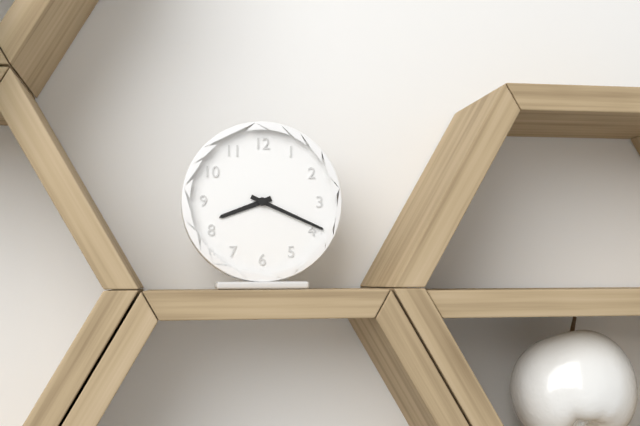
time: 8:19
